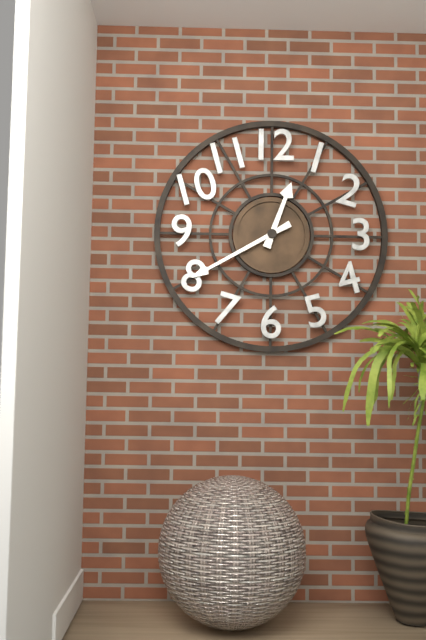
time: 12:40
